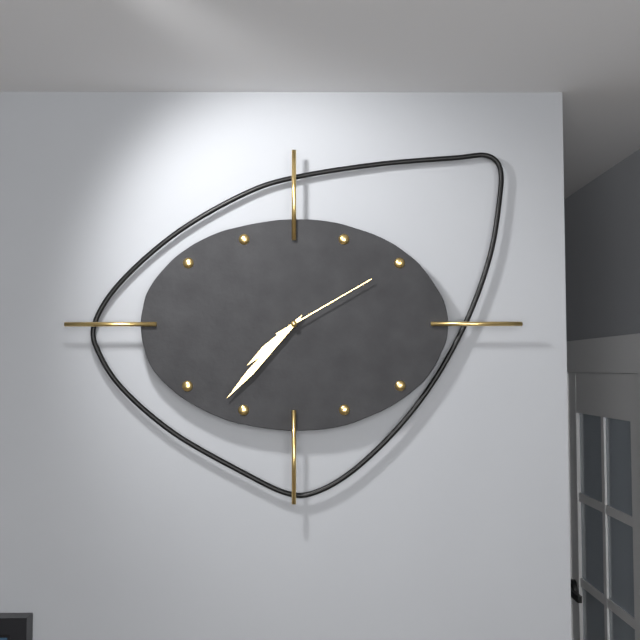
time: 7:37:10
